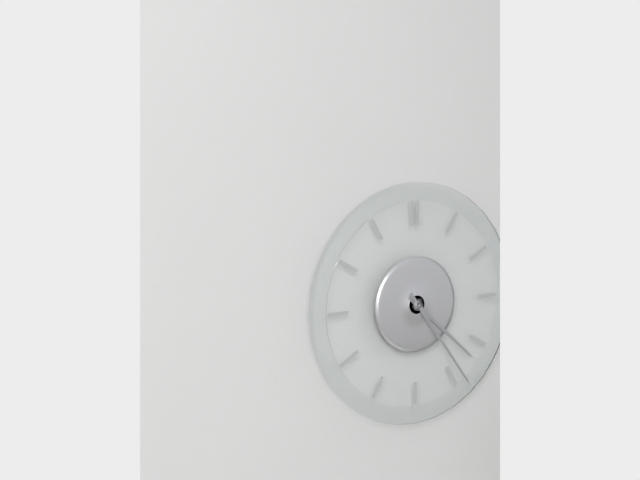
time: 4:24
